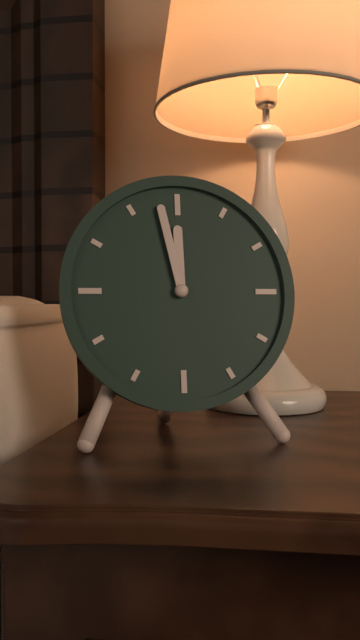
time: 11:58
